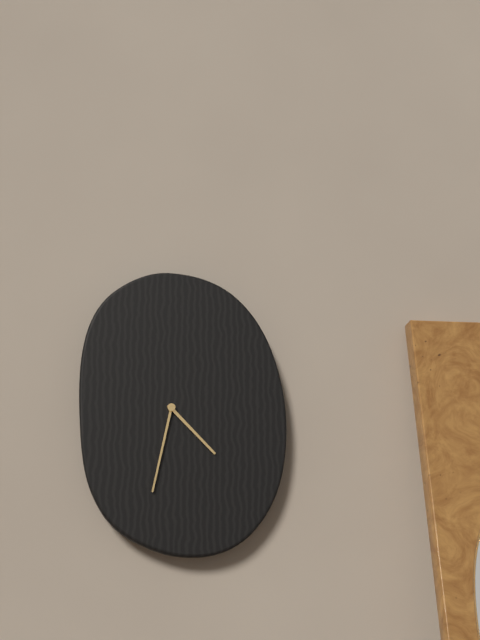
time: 4:32
